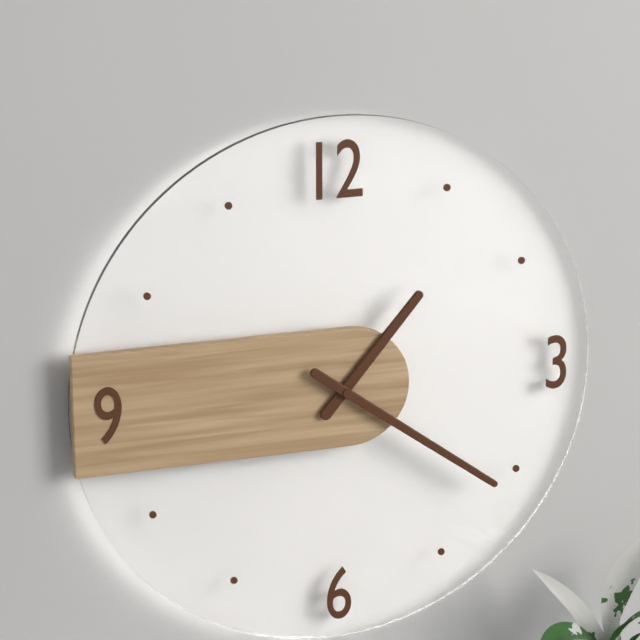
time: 1:21
